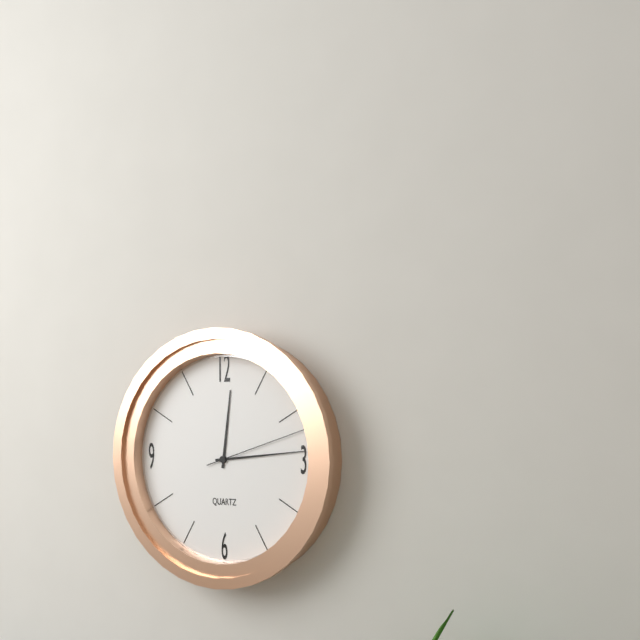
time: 12:14:12
